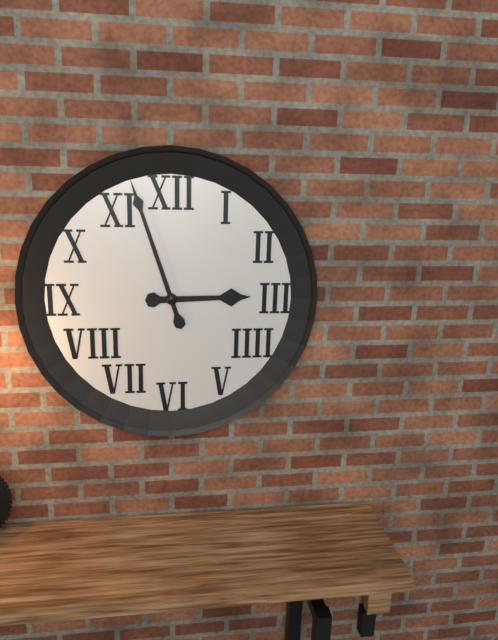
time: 2:57
